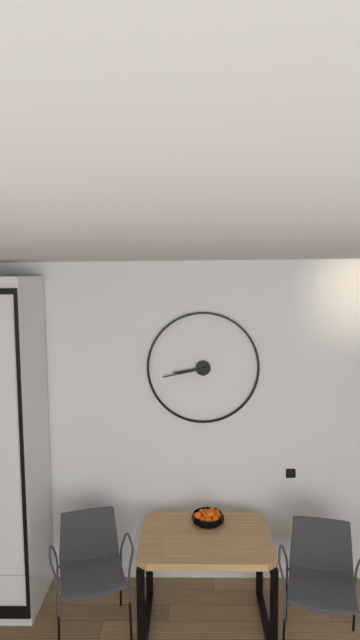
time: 8:43
